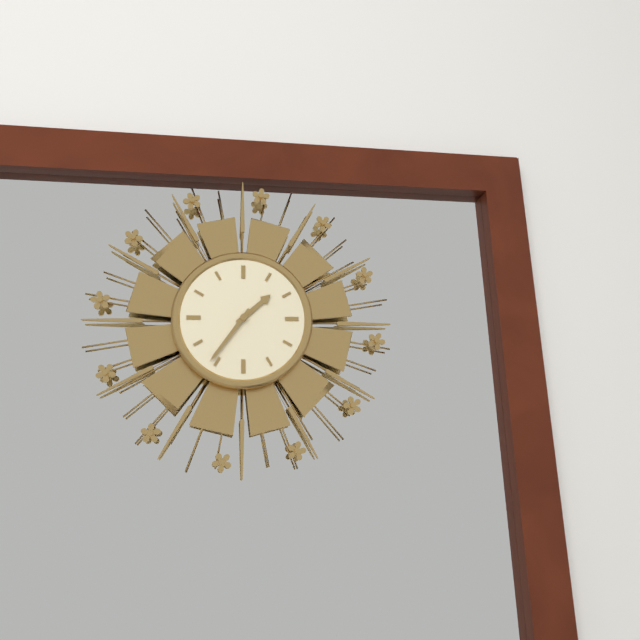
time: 1:36
